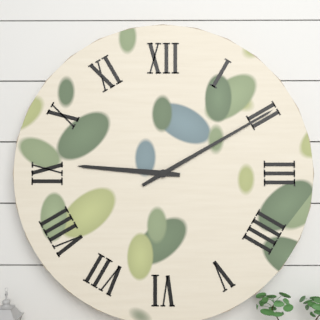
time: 9:10
